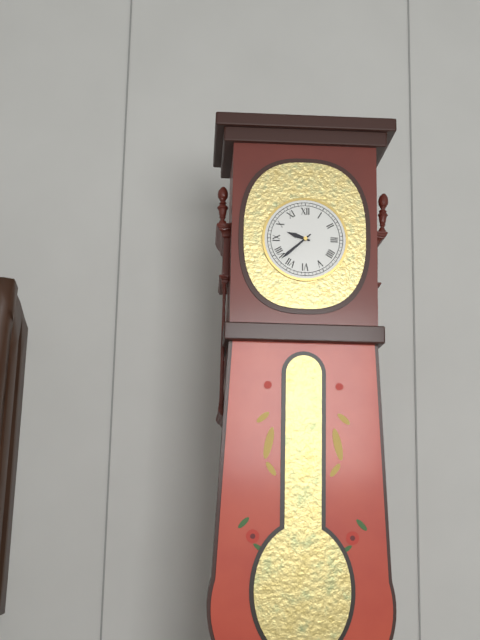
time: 9:38
